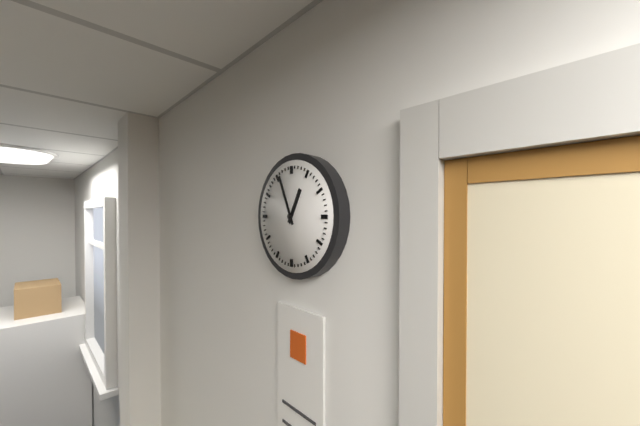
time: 12:56
